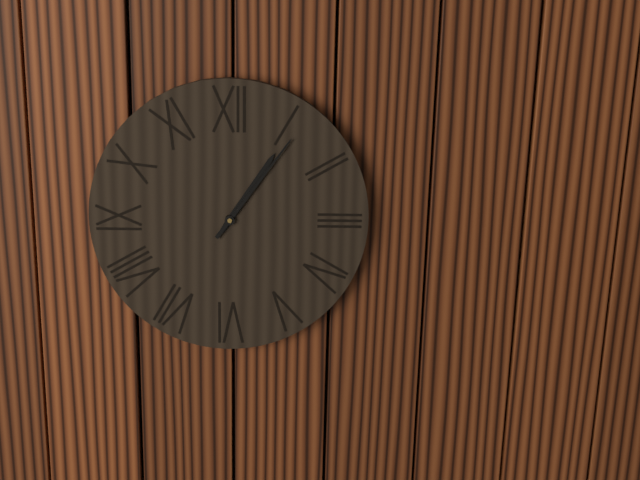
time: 1:06
